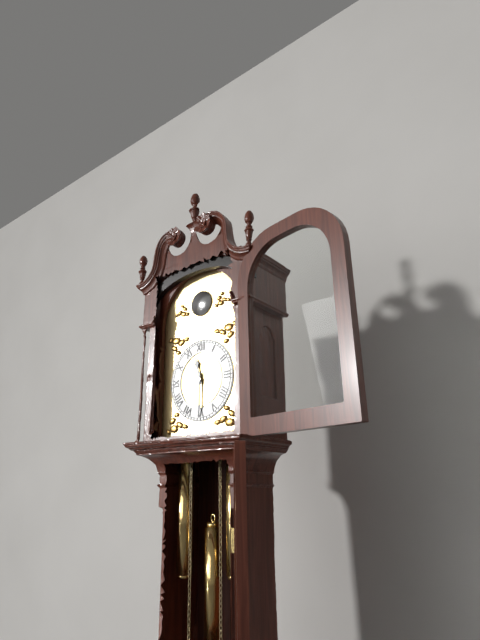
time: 11:30
